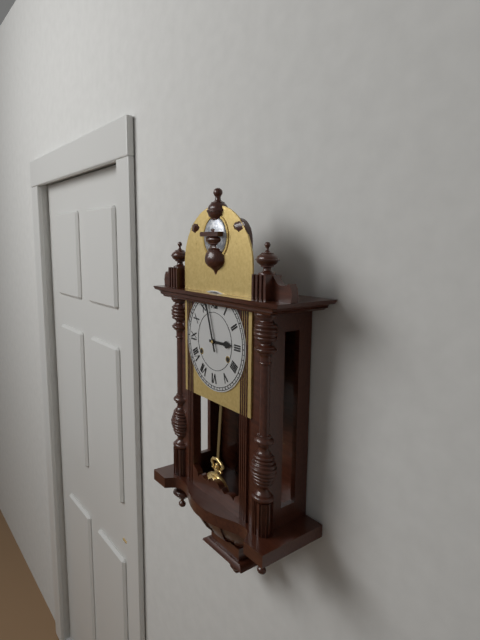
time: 2:57
